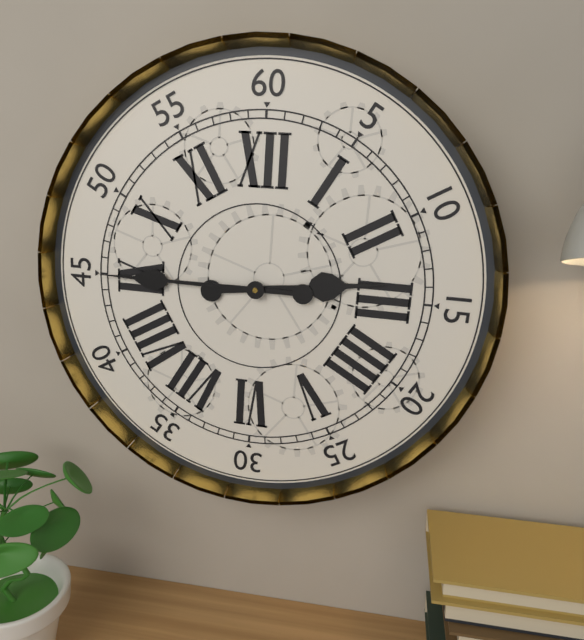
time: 2:45
